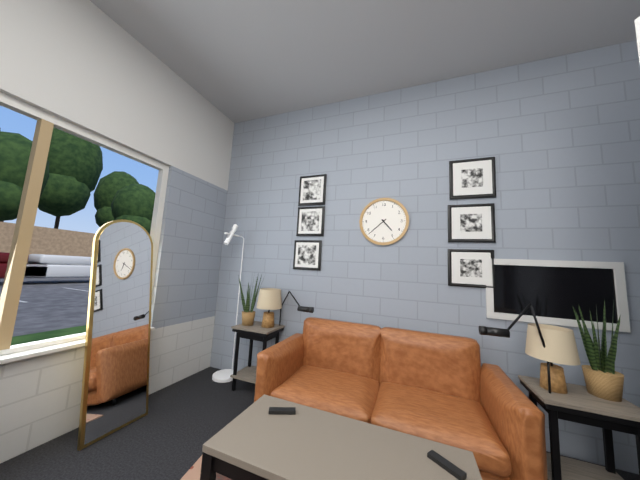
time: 4:38
